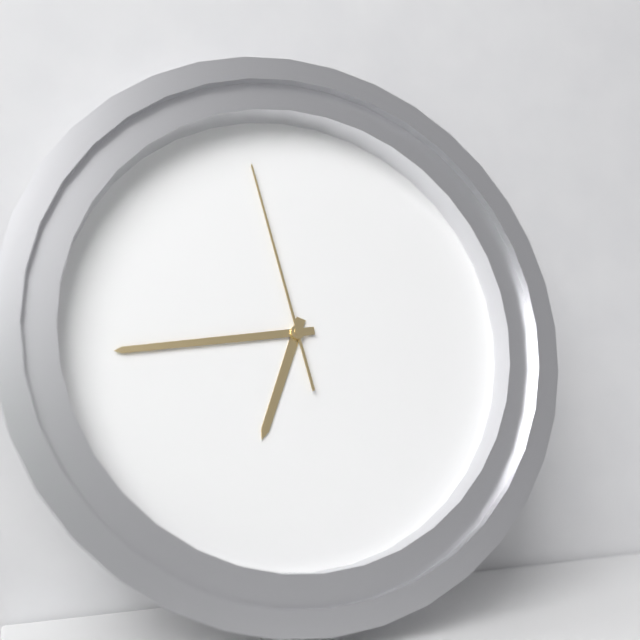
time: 6:44:58
